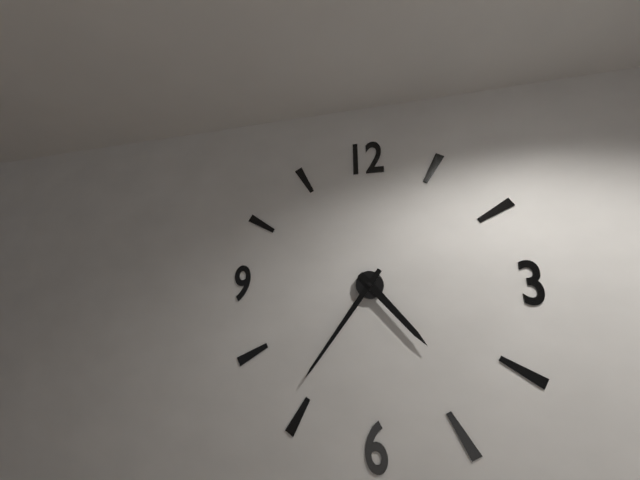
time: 4:36
